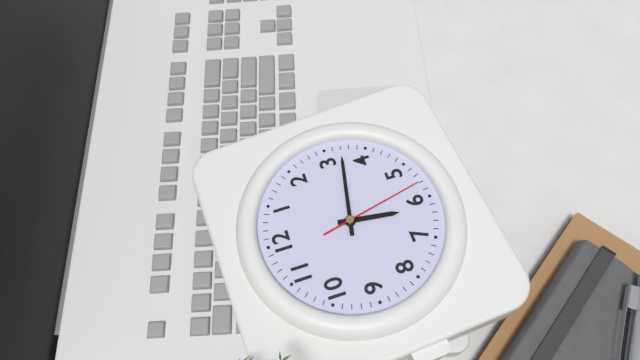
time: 6:17:28
